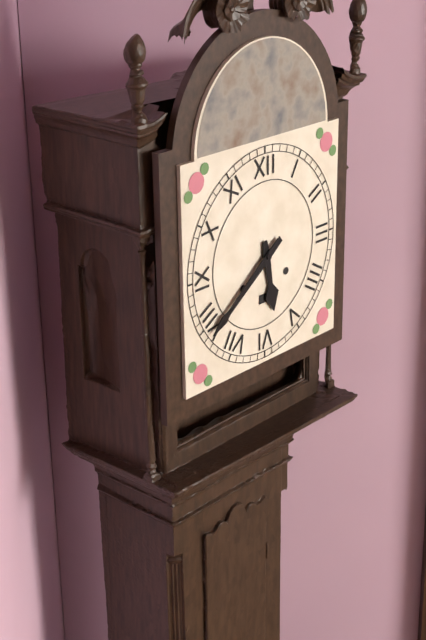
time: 5:39
